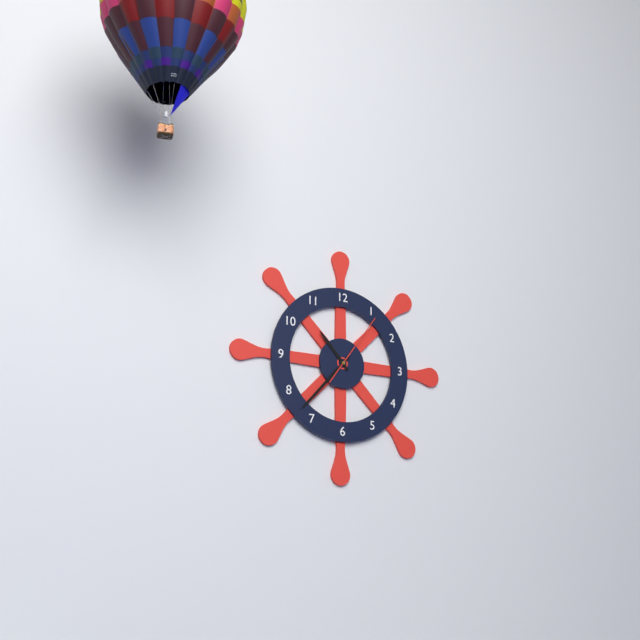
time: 10:37:06
